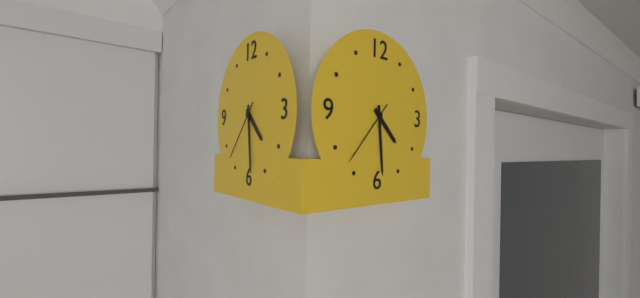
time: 4:29:37
